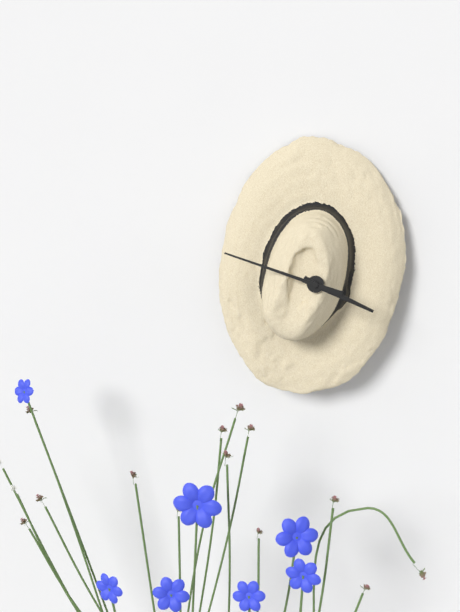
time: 3:48
